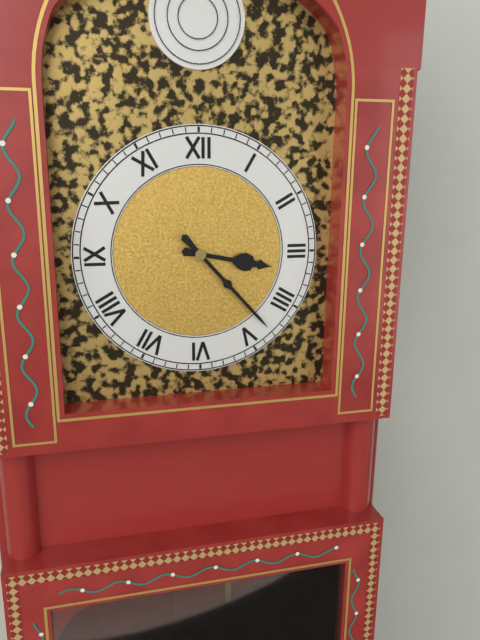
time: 3:23
